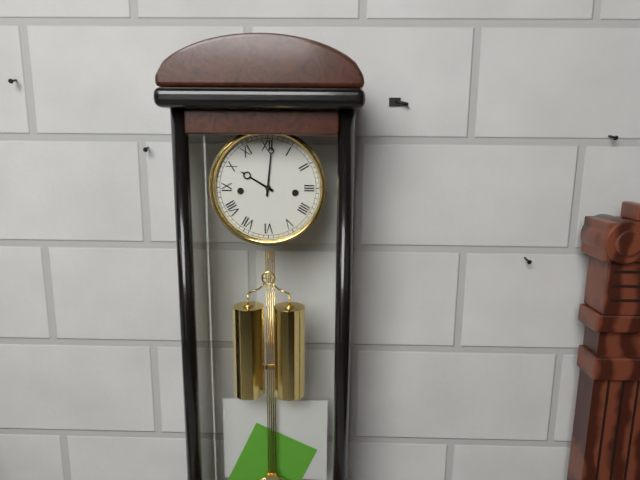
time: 10:01
